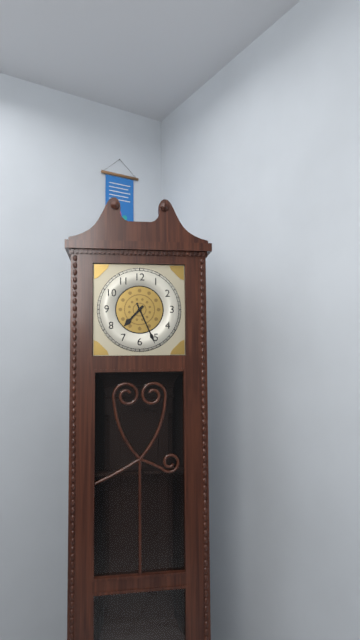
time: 7:26
